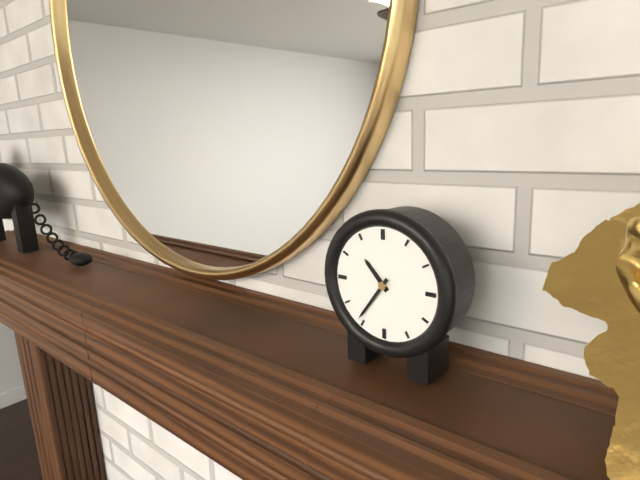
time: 10:36
